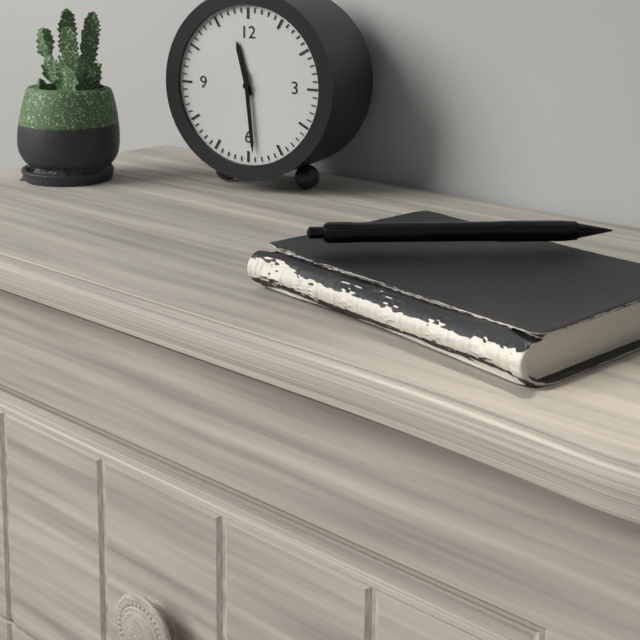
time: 11:29
